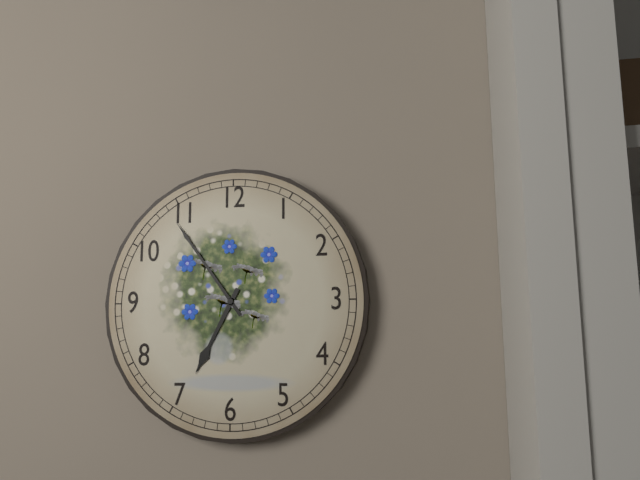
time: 6:54
